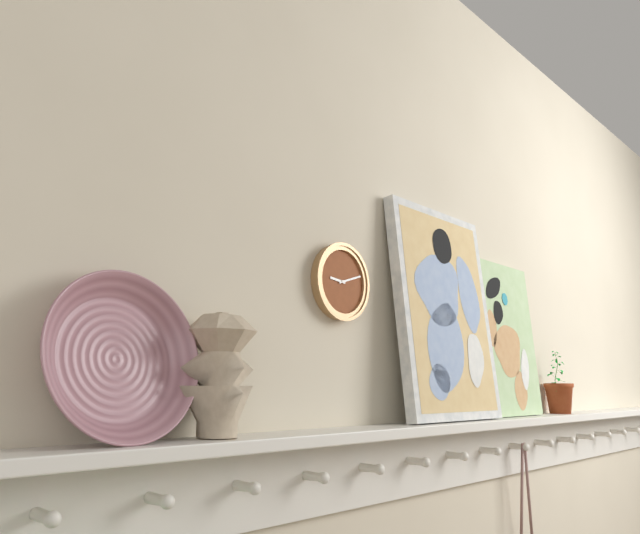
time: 9:12
